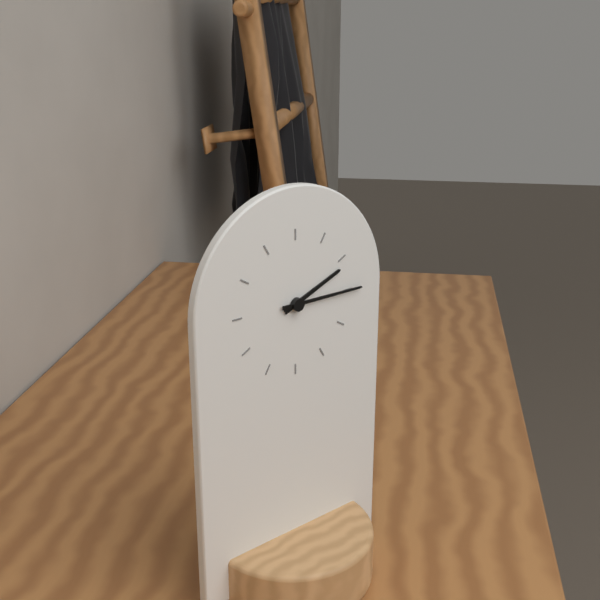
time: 2:15
